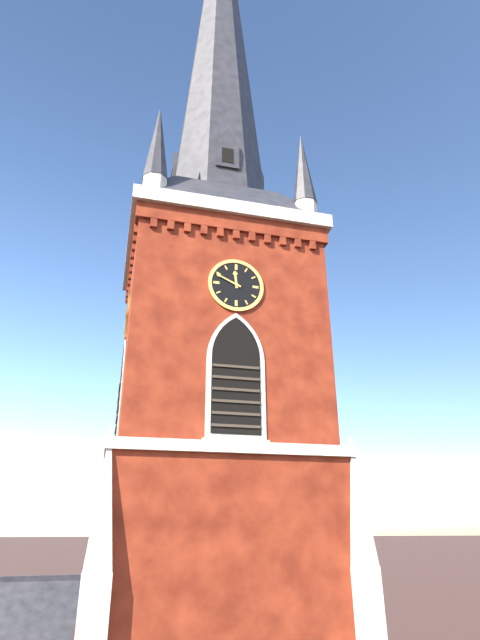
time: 11:49
